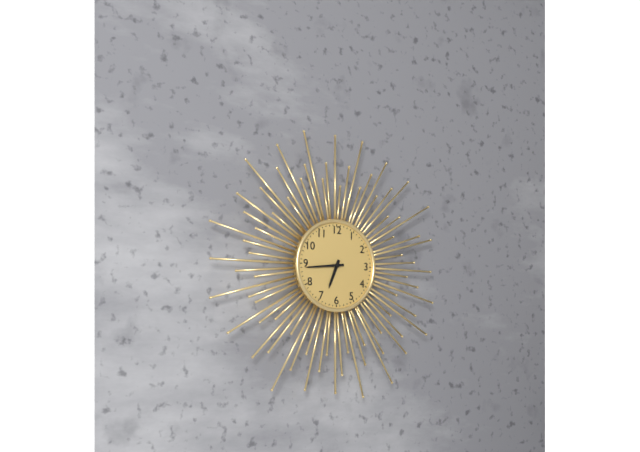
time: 6:44
